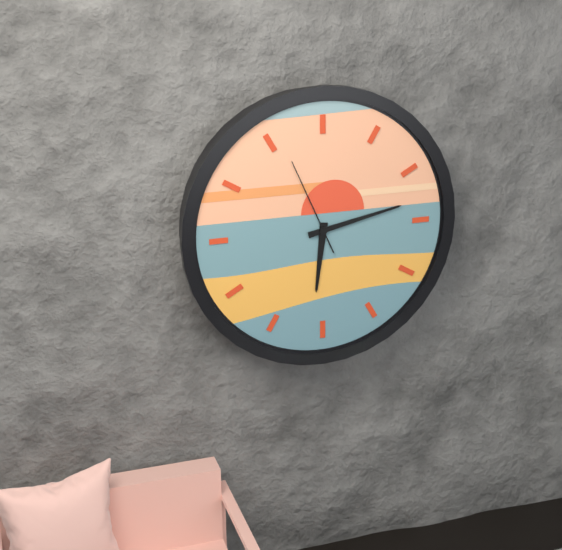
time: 6:13:56
